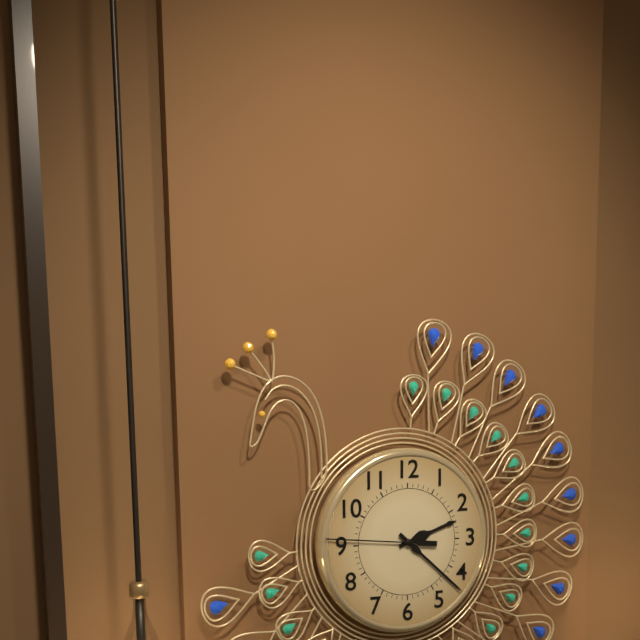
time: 2:22:46
